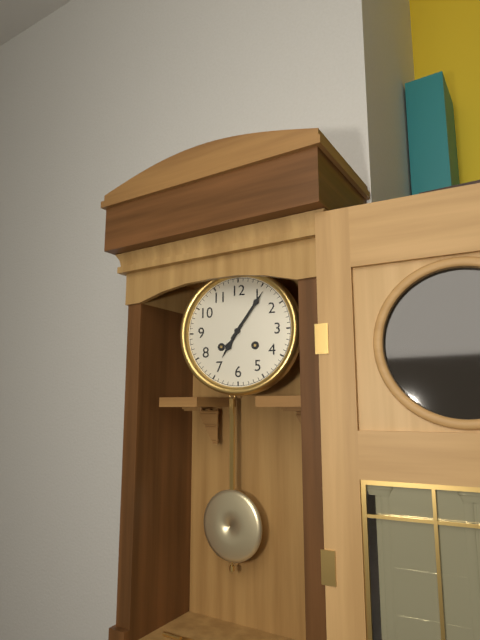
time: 7:06
